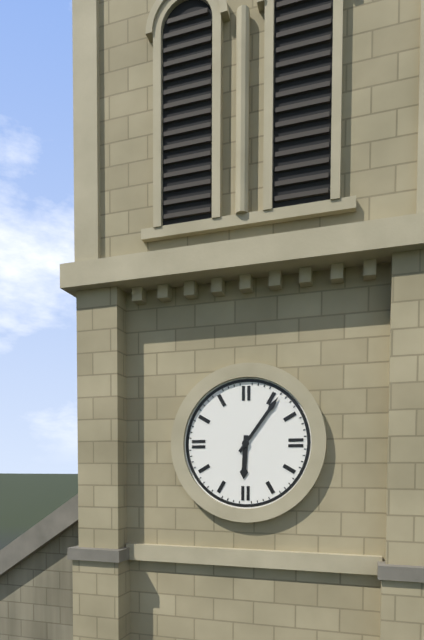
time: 6:06
